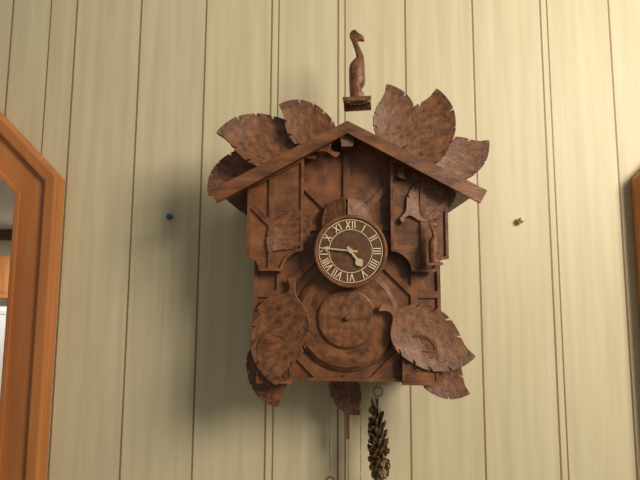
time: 4:46
